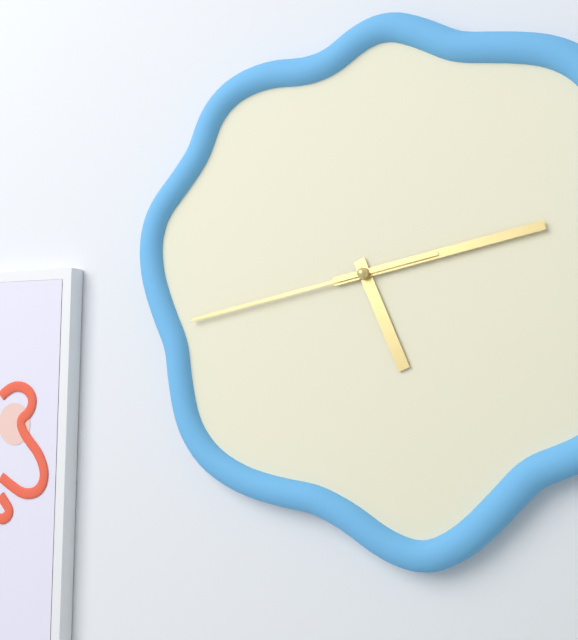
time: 5:13:43
